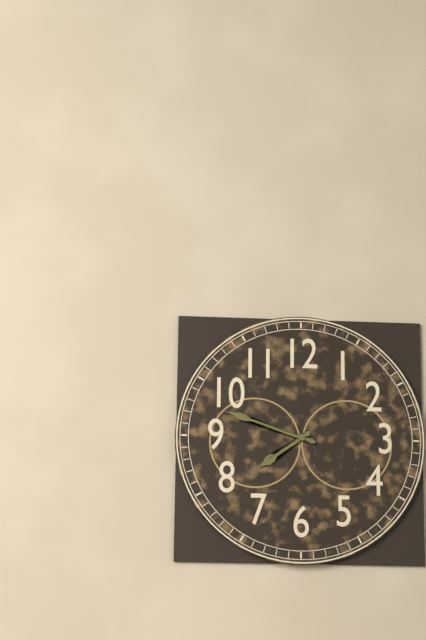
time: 7:48
